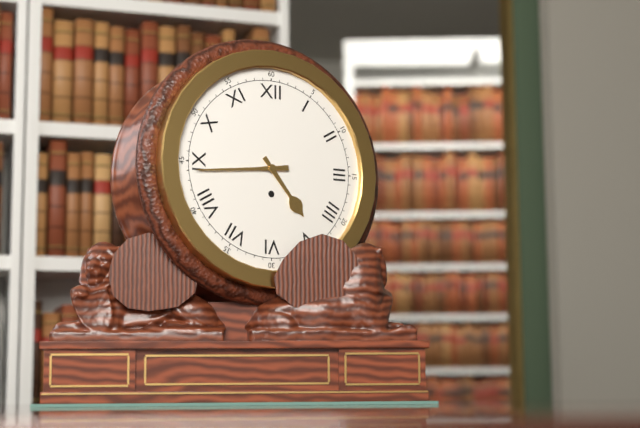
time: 4:44
